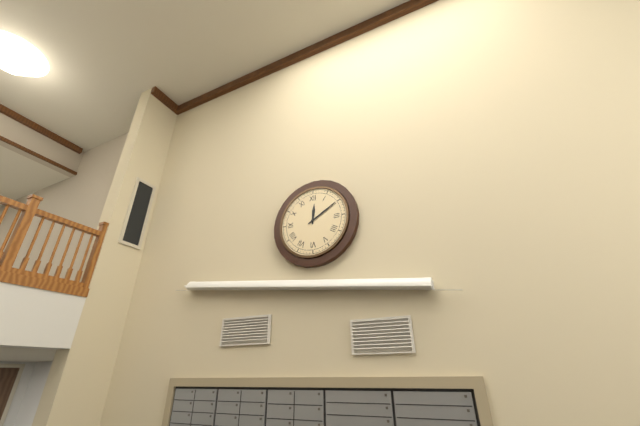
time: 12:10
